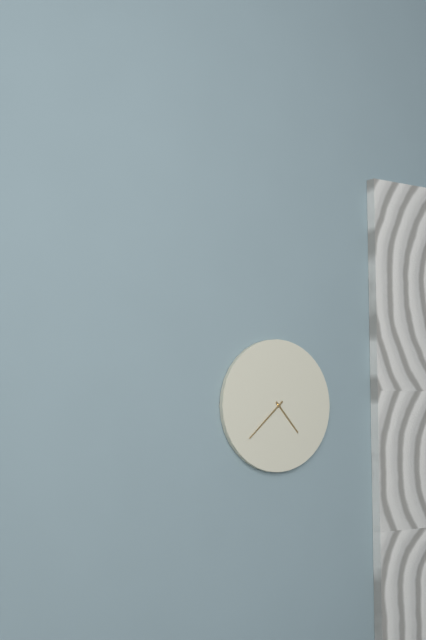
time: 4:38
